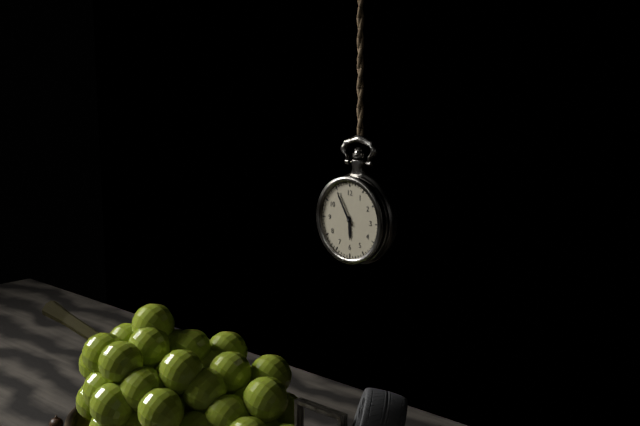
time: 5:55
